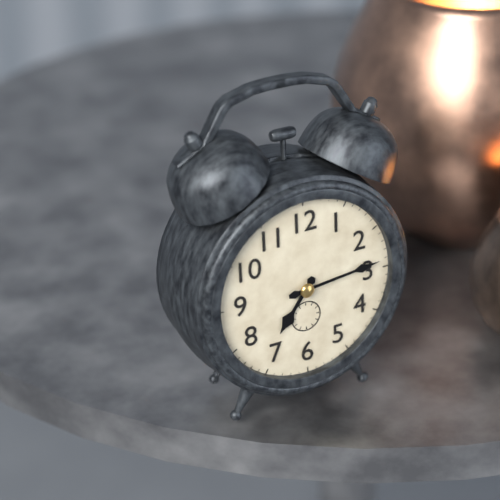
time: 7:14
